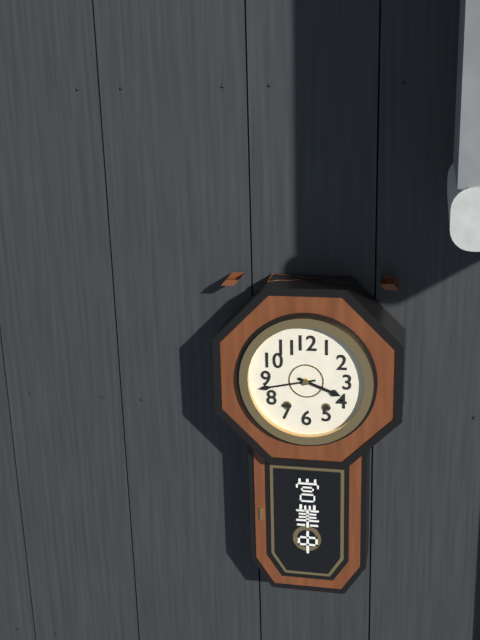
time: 3:43
